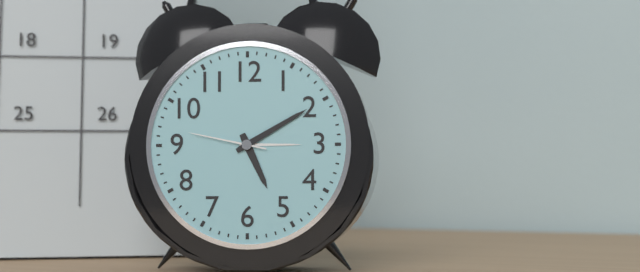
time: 5:10:47
